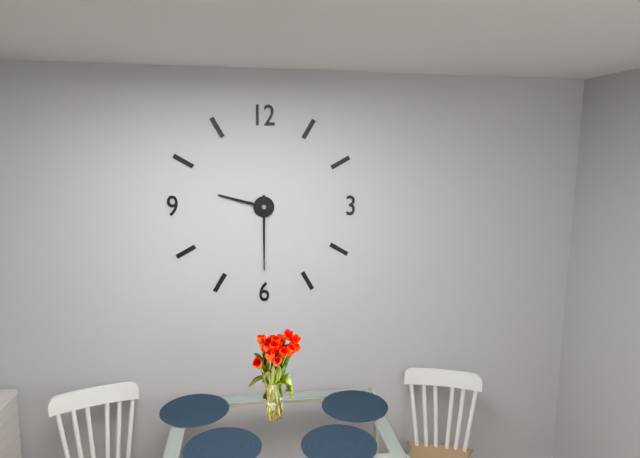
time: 9:30
